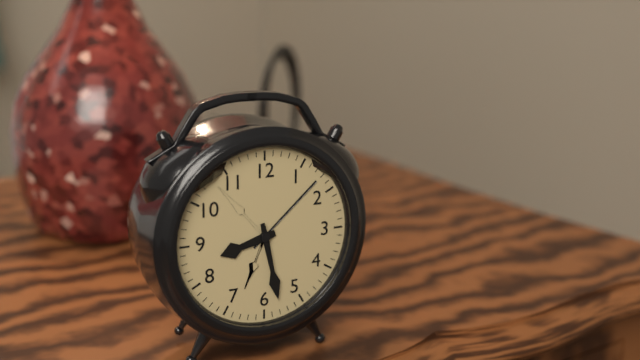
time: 8:28
